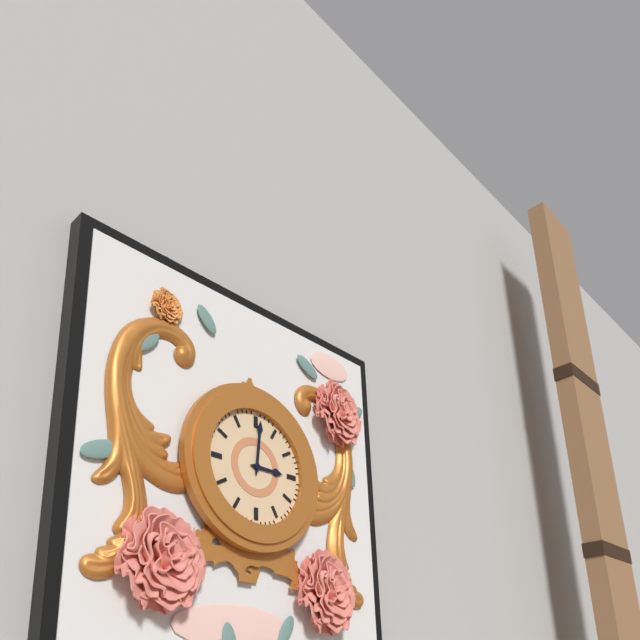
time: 3:01
